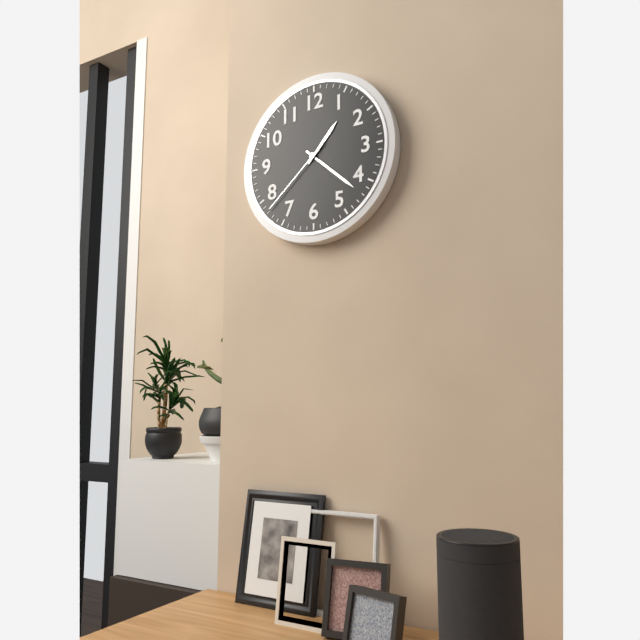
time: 1:22:38
